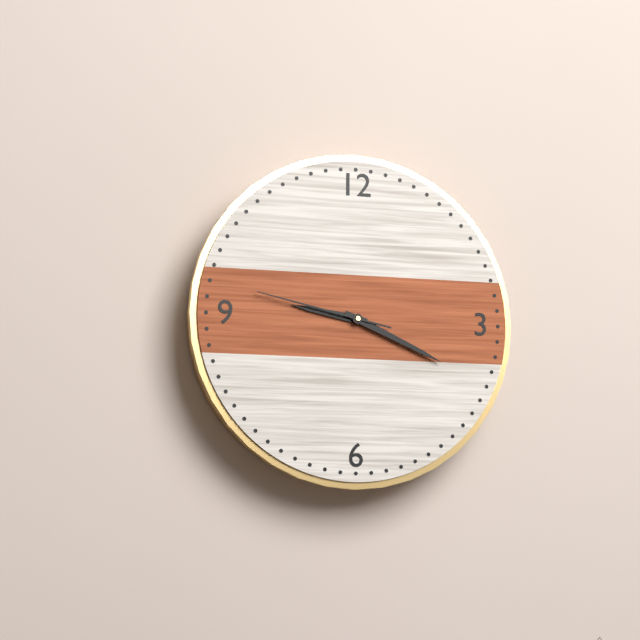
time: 9:19:47
